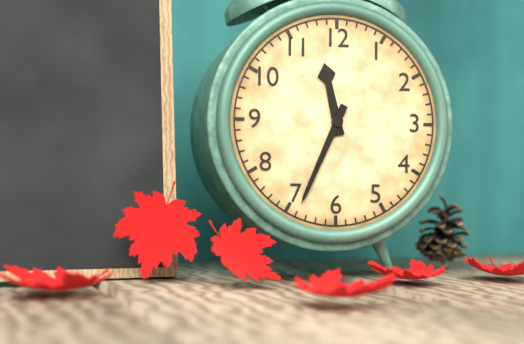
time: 11:34
